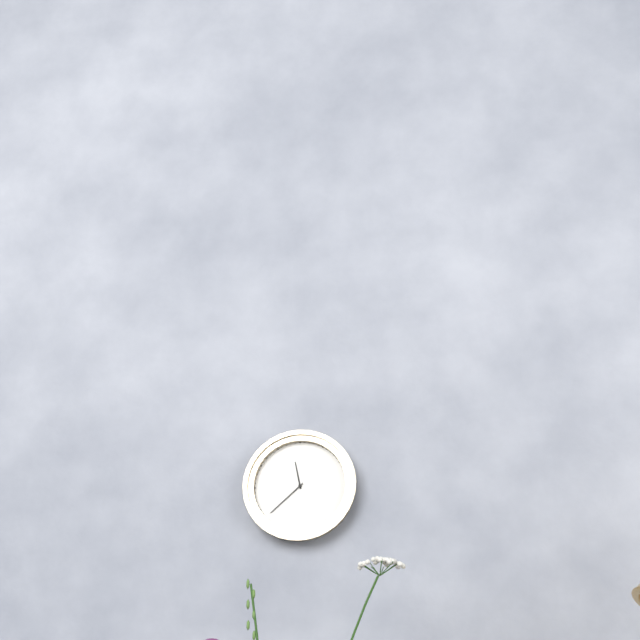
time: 11:38
